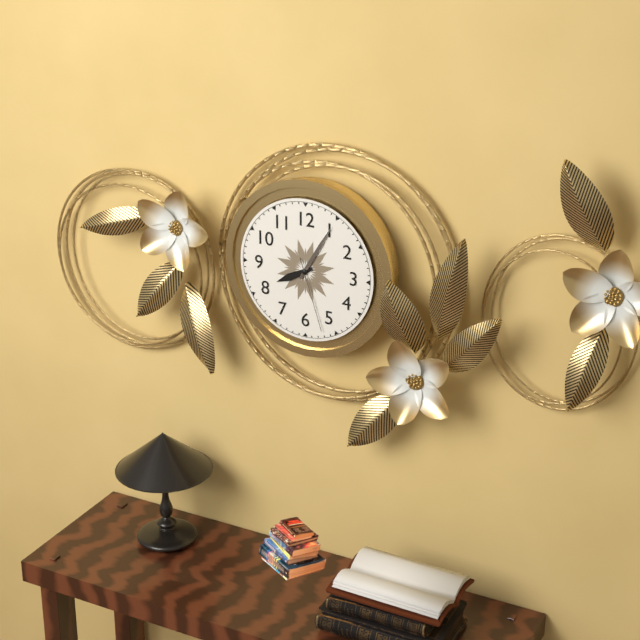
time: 8:05:27
